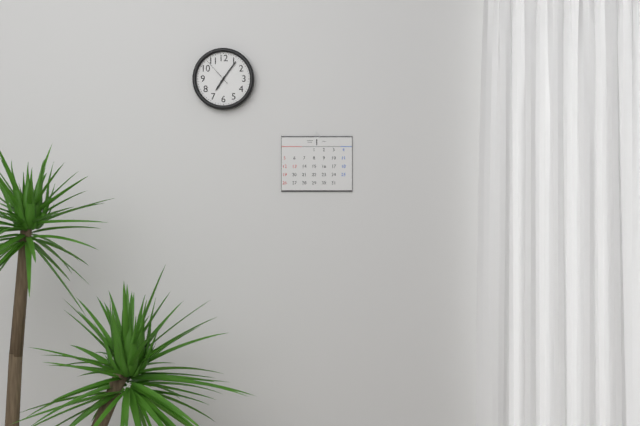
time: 7:06
